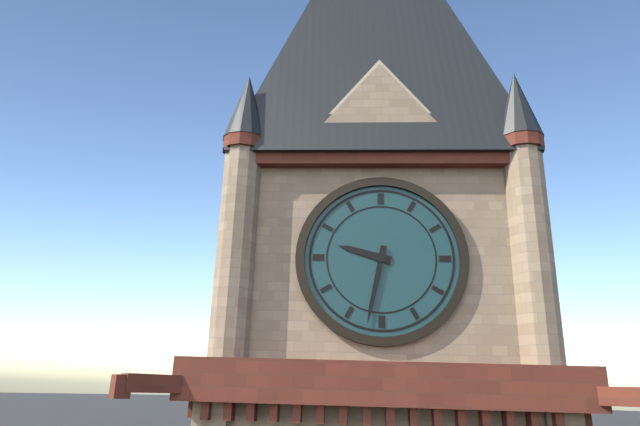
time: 9:32
